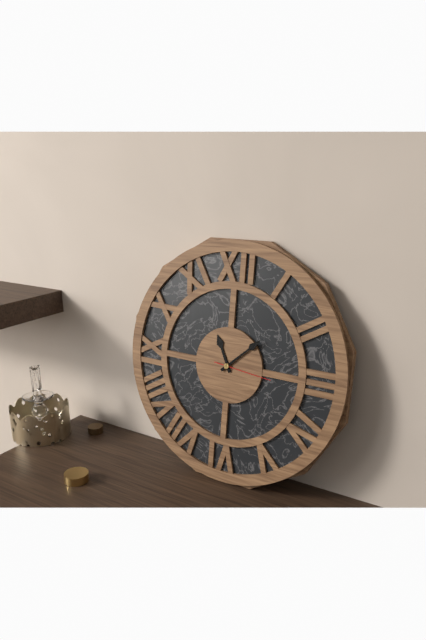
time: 11:08:16
